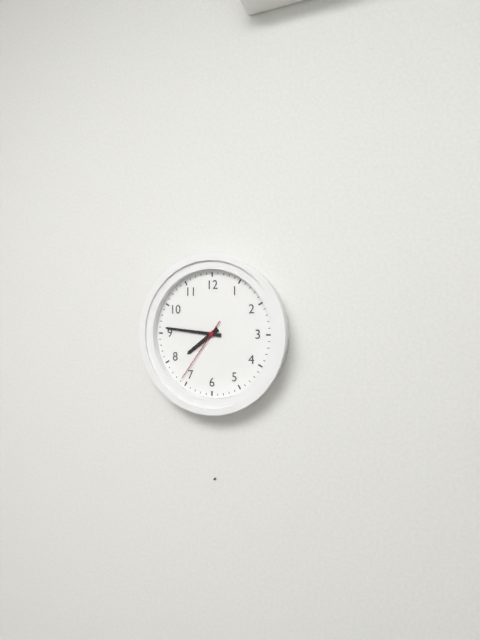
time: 7:46:36
